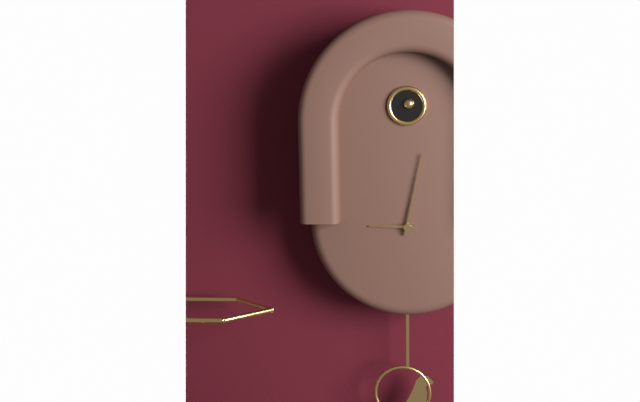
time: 9:02
